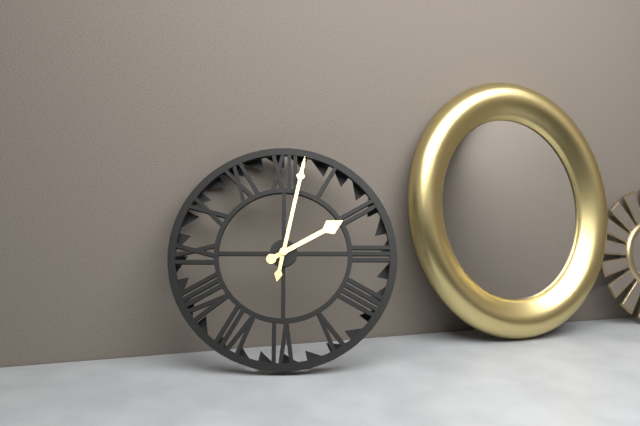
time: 2:02
